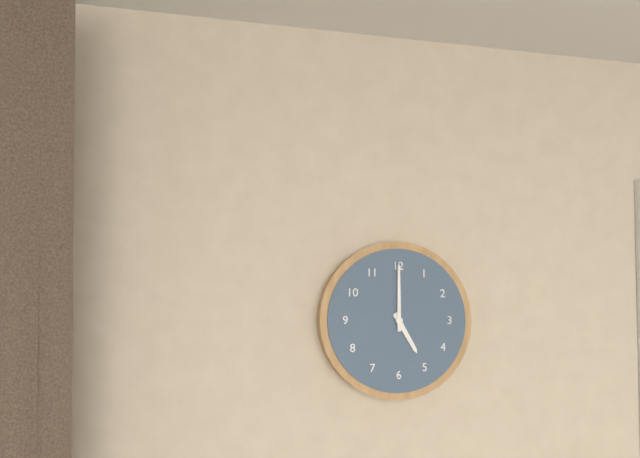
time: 5:00
